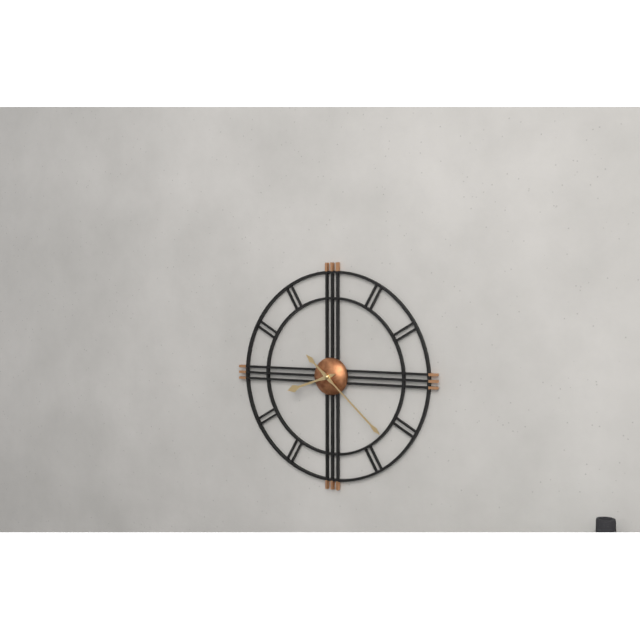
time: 8:22
